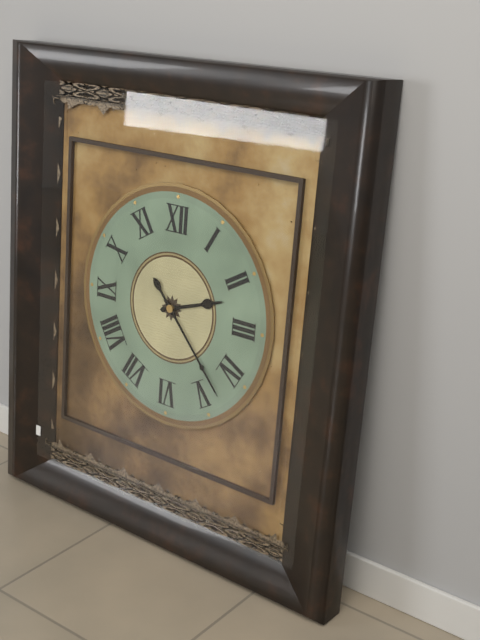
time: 2:23
